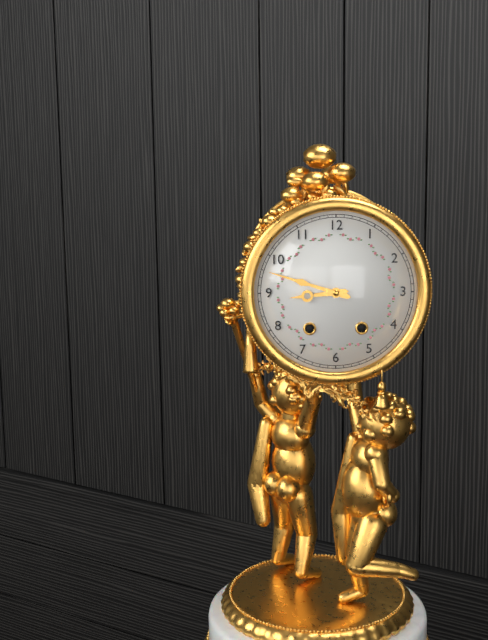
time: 8:48
